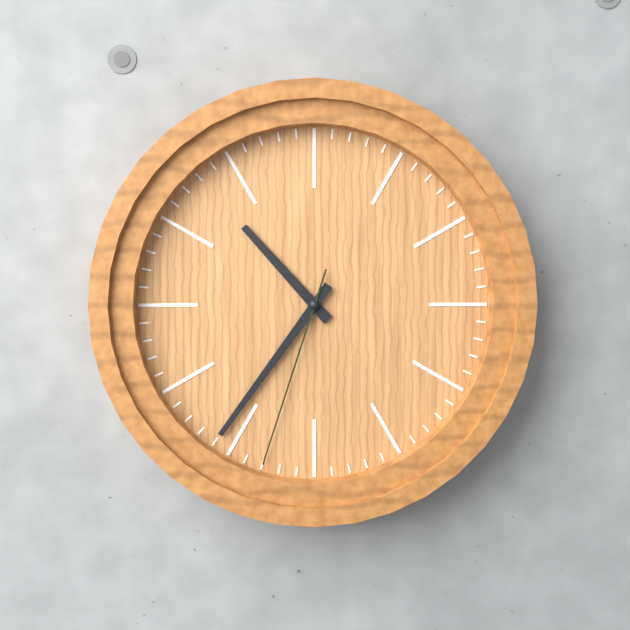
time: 10:36:33
